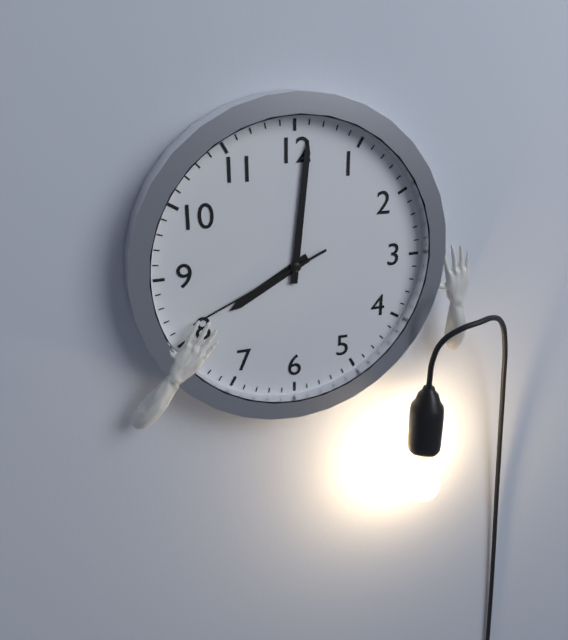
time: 8:01:41
